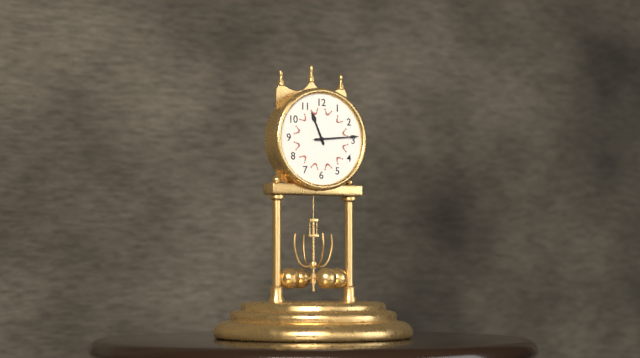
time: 11:14
